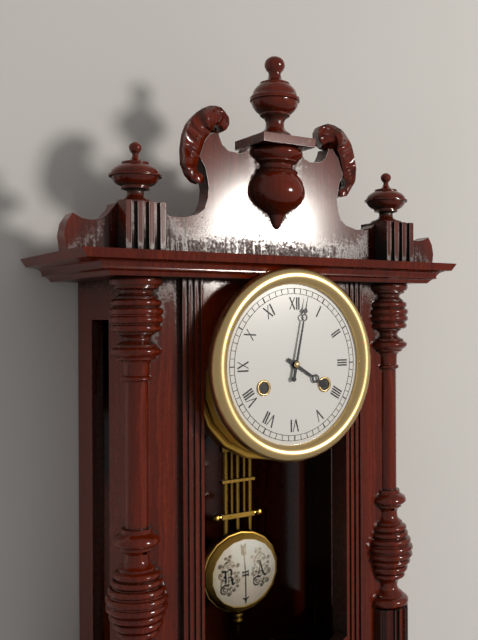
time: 4:02
